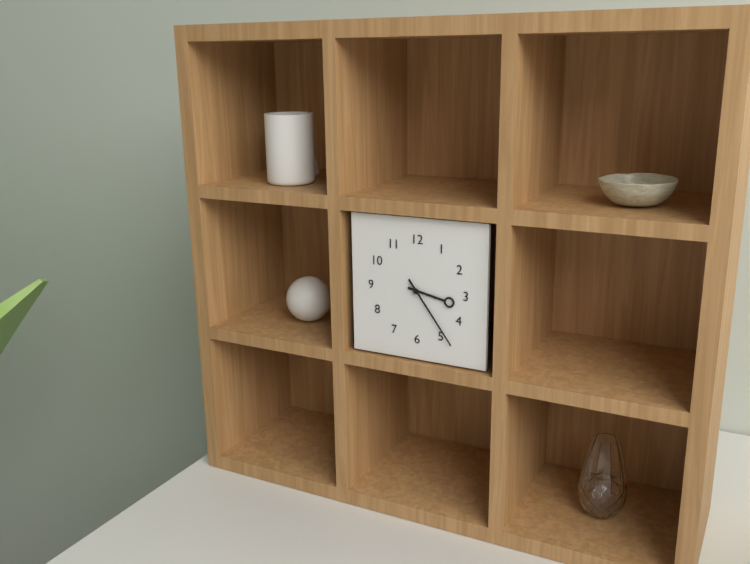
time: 3:24
